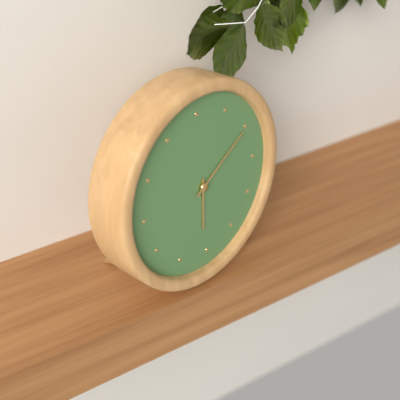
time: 6:10
